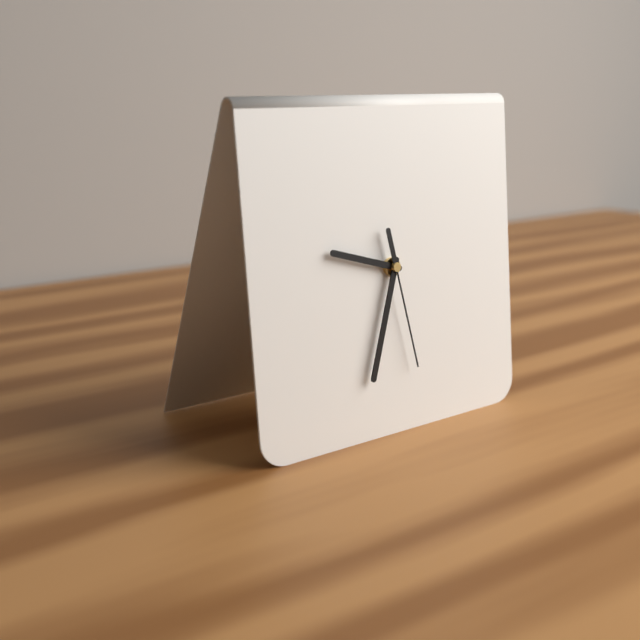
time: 9:33:28
